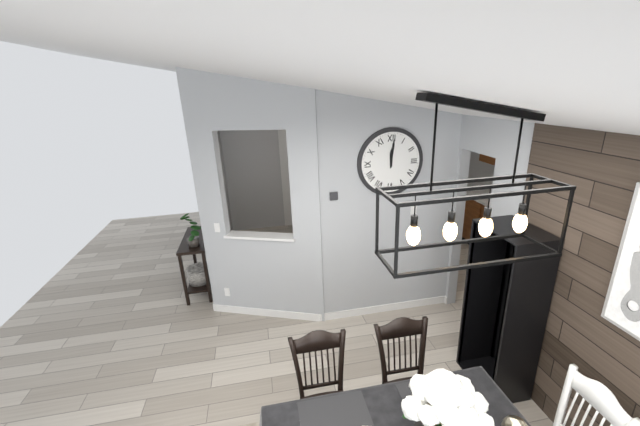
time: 12:01
